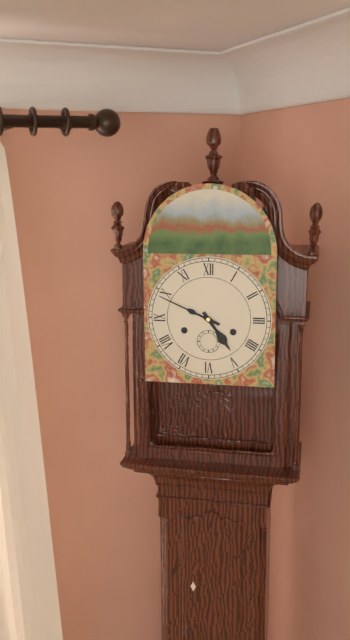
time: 4:49
